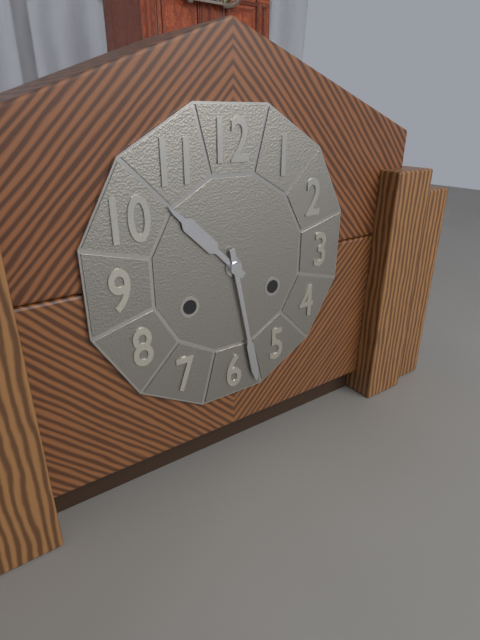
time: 10:28
